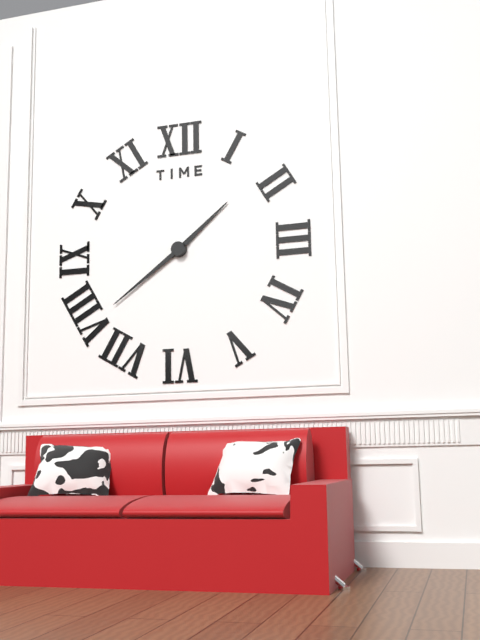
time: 1:39
